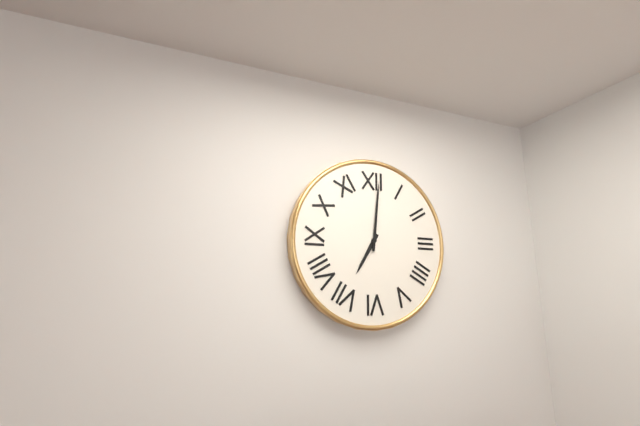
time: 7:01
